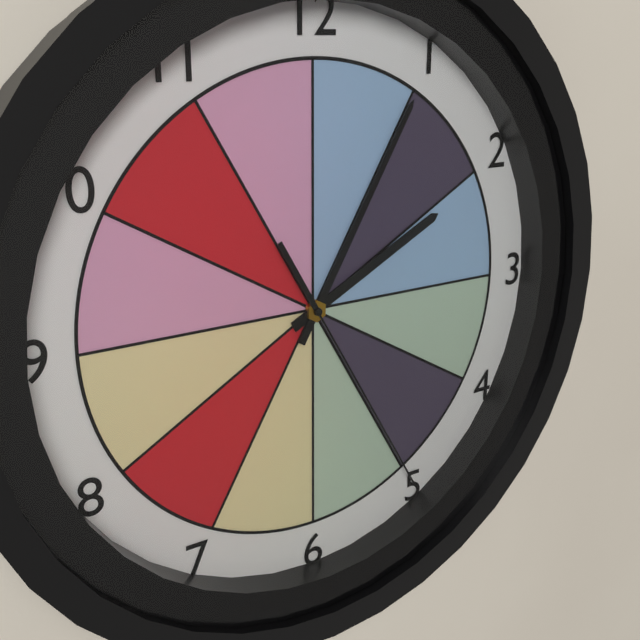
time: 2:05:25
